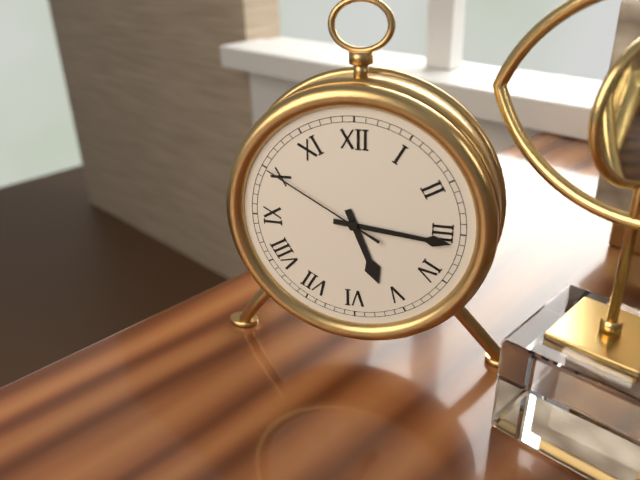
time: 5:16:50
